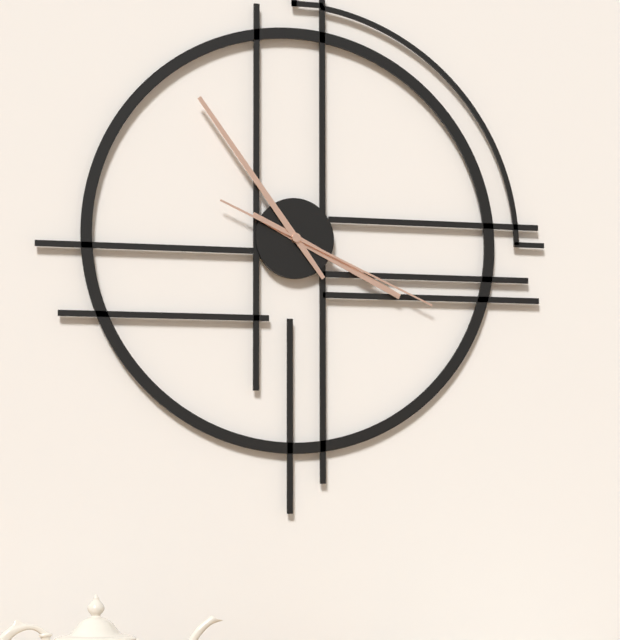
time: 3:54:19
